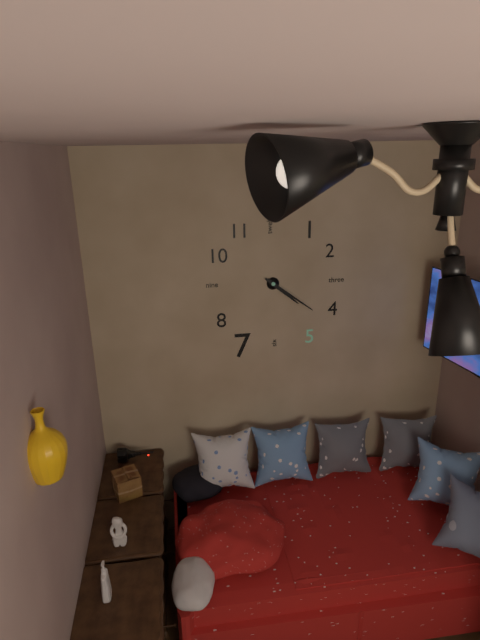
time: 4:21
